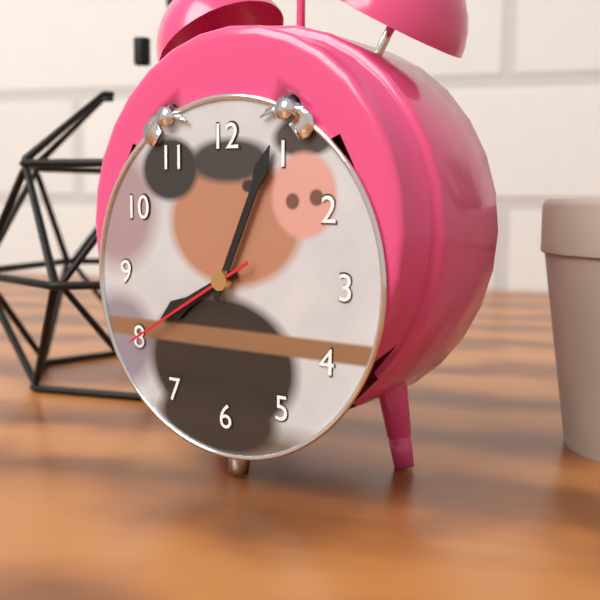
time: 8:04:40
